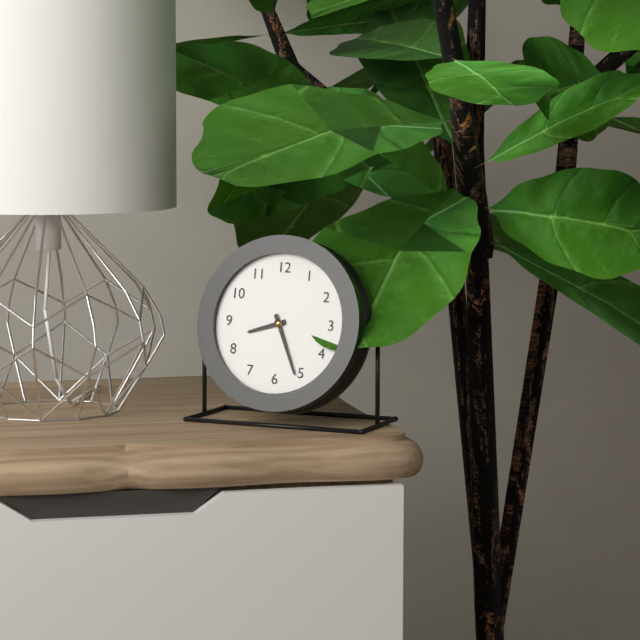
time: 8:26
